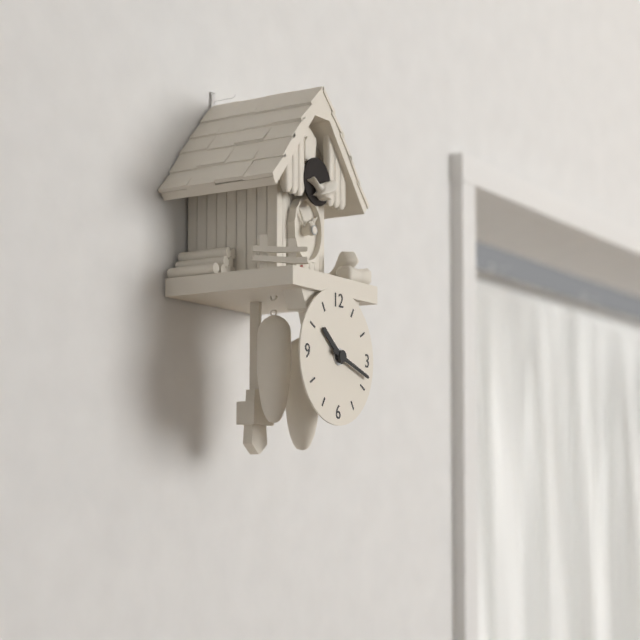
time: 10:18
